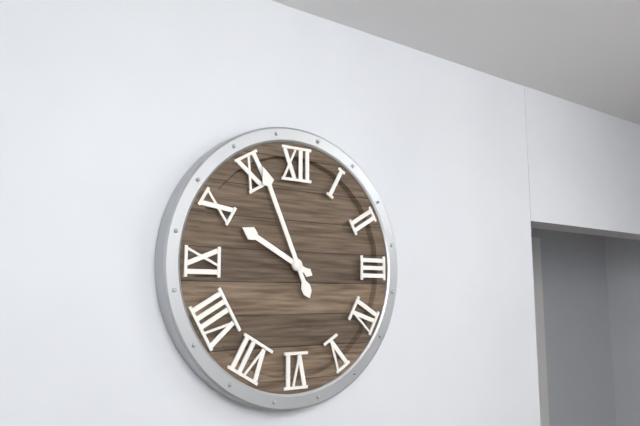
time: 9:56
